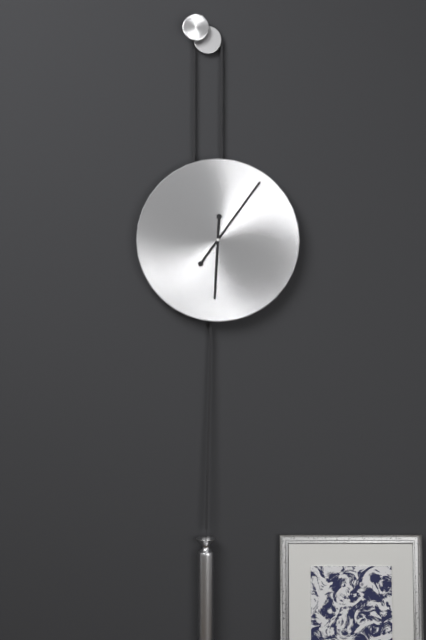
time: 6:06
